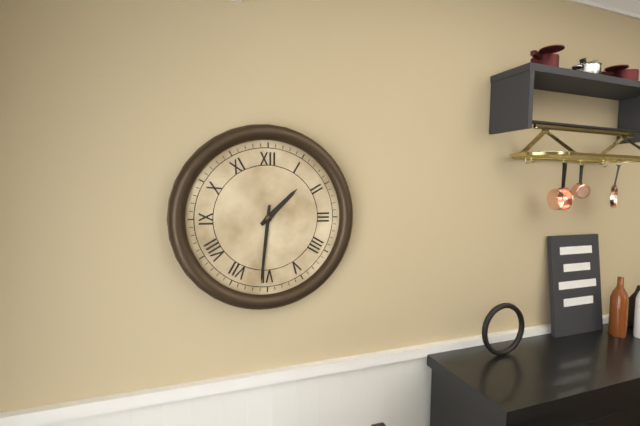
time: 1:31
